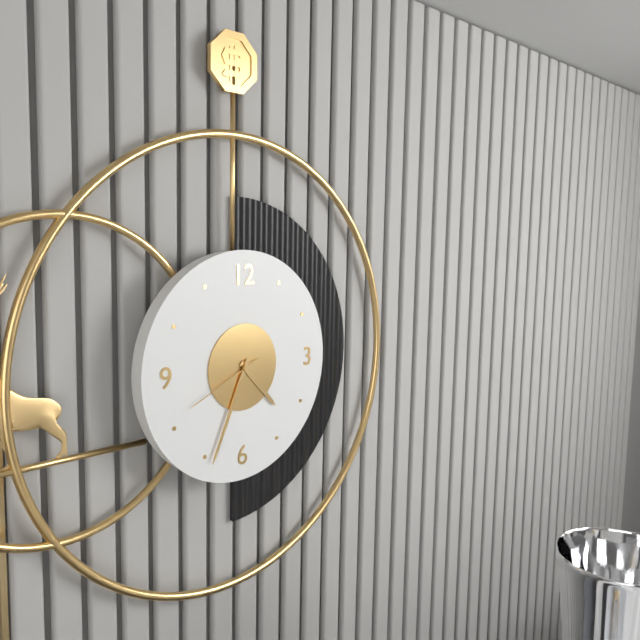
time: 4:34:41
